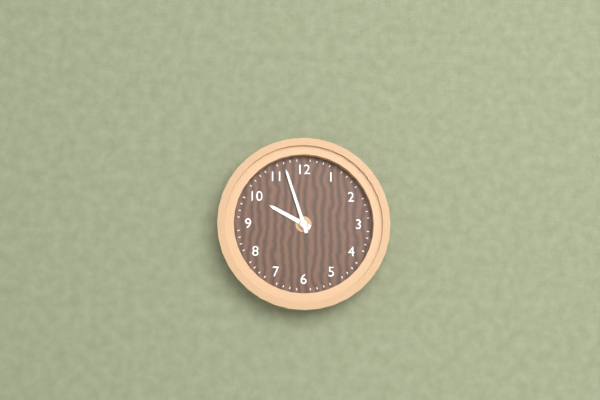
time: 9:57
